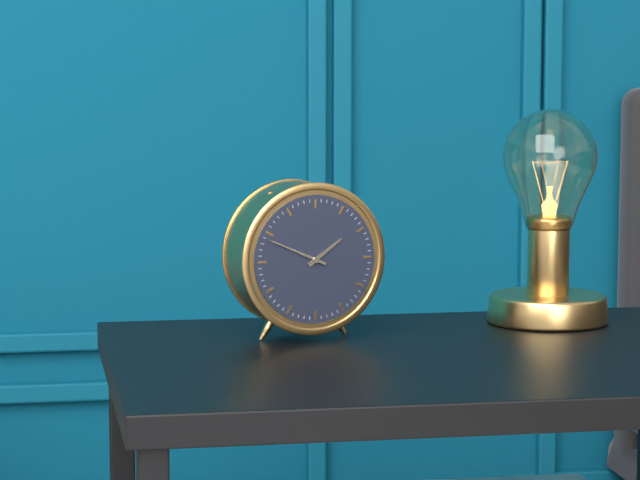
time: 1:49
